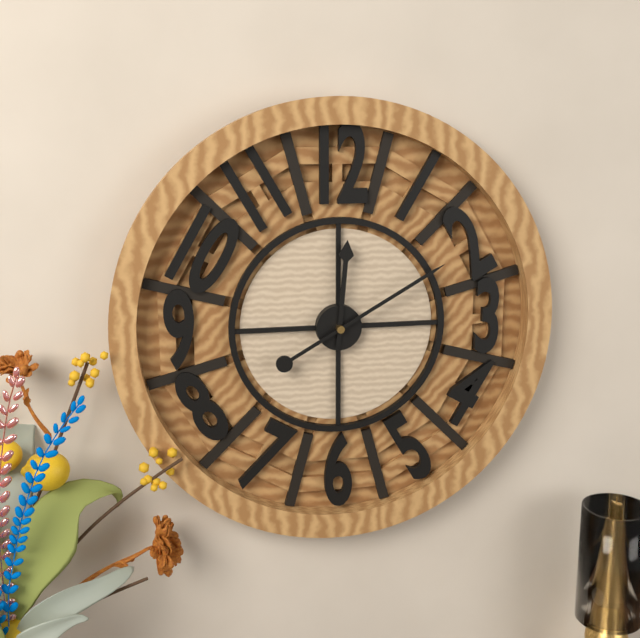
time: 12:10
